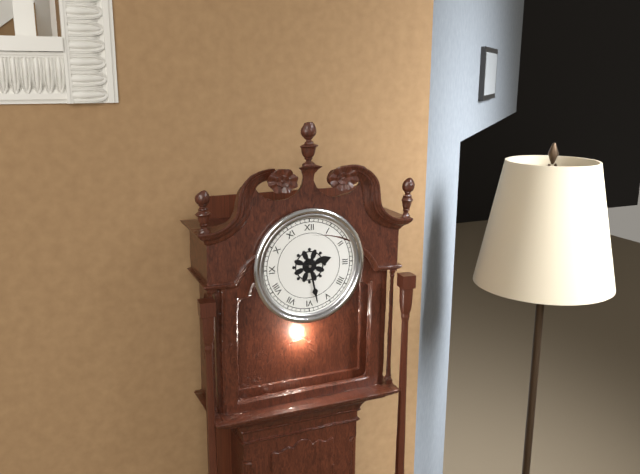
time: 2:28
